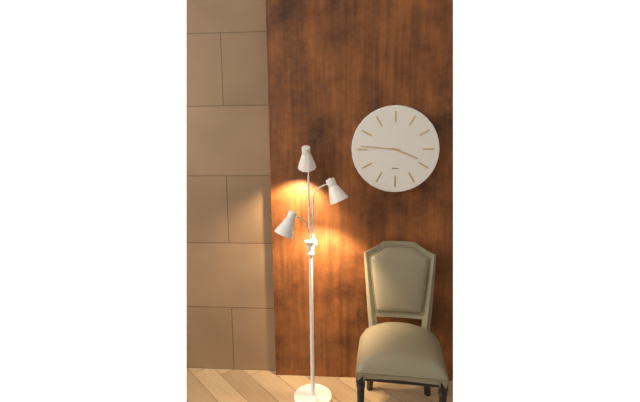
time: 3:46
